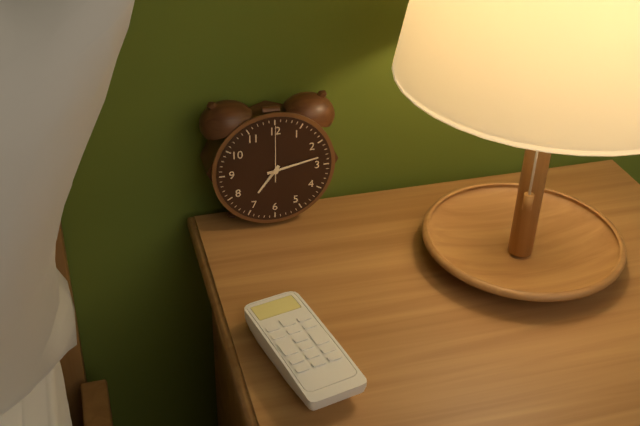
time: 7:13:00
